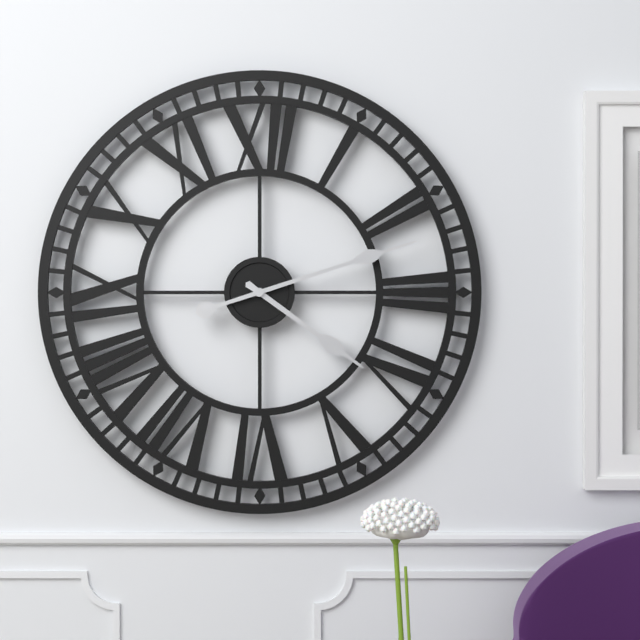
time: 4:12
